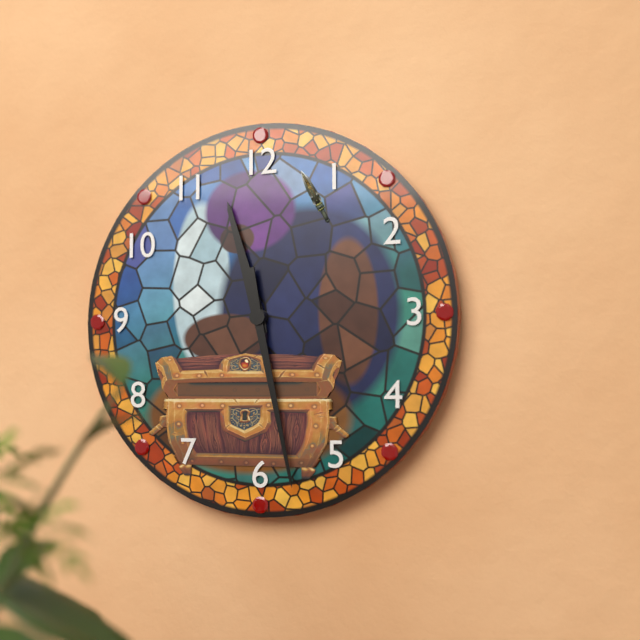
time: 11:28
